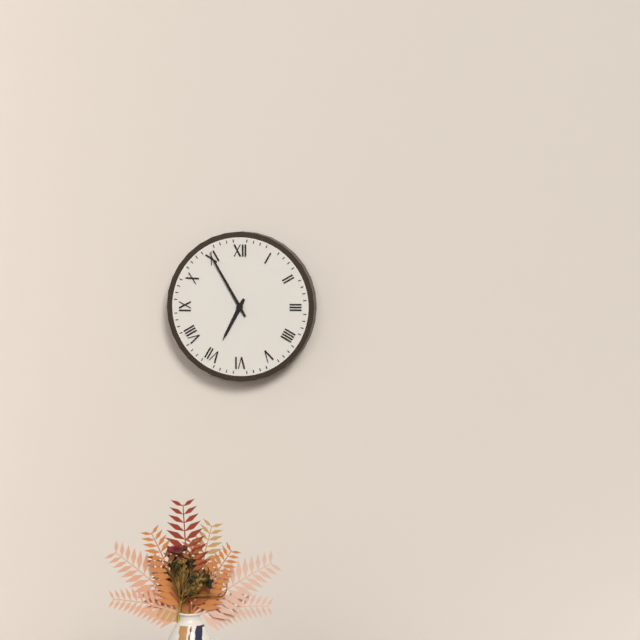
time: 6:55
